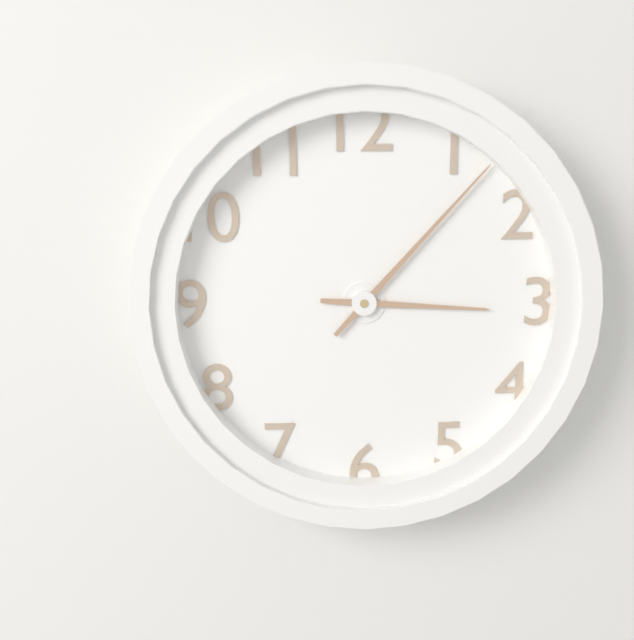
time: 3:07
